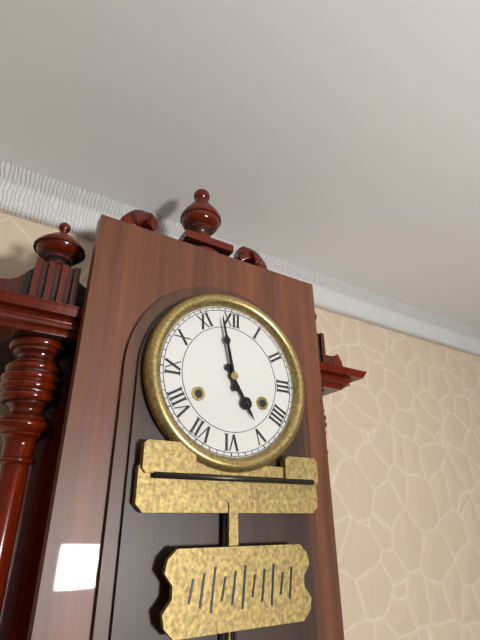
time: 4:58
